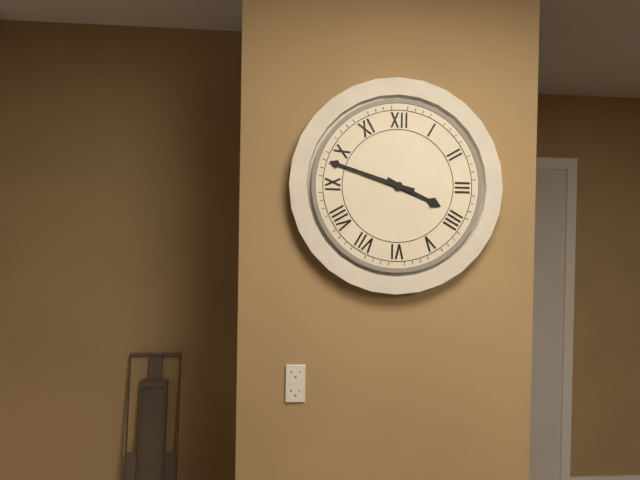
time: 3:48
